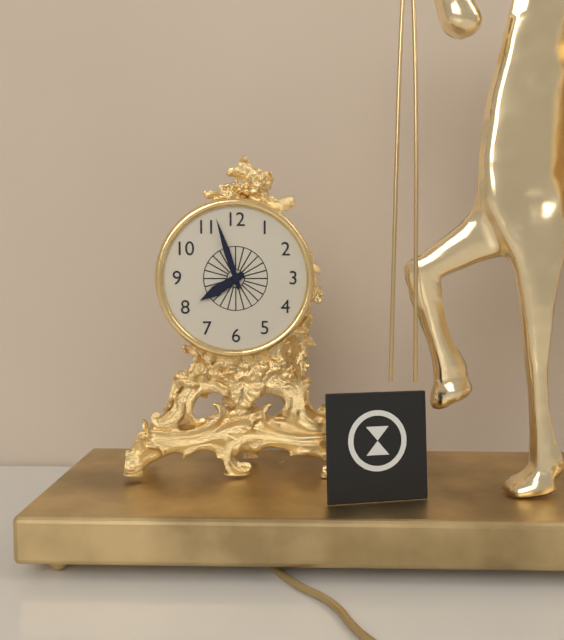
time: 7:57
